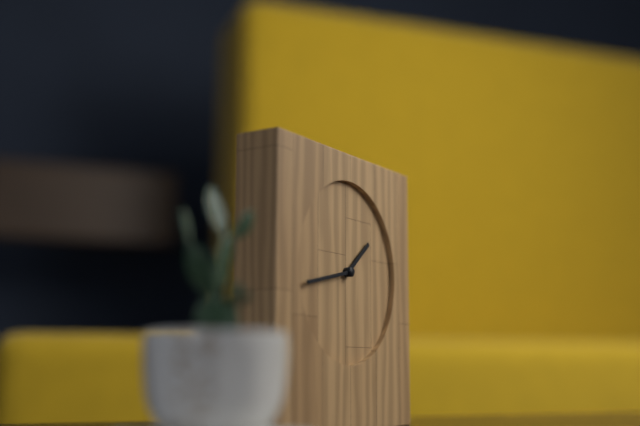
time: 1:43
